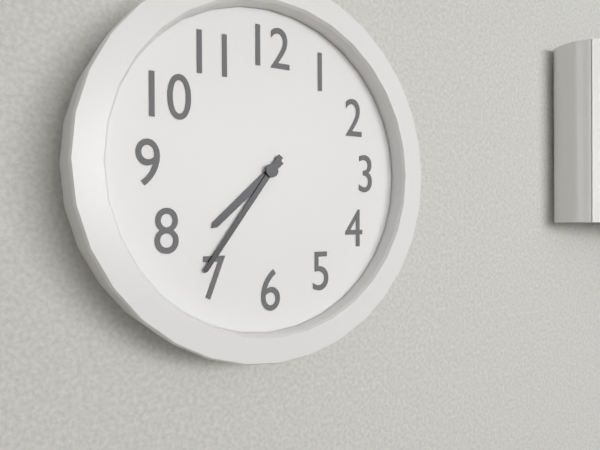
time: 7:36
